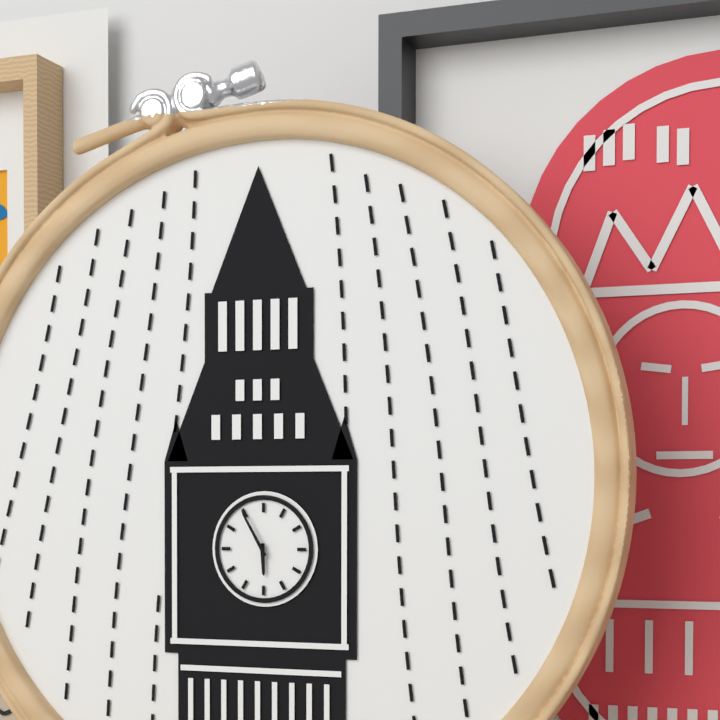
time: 5:55
